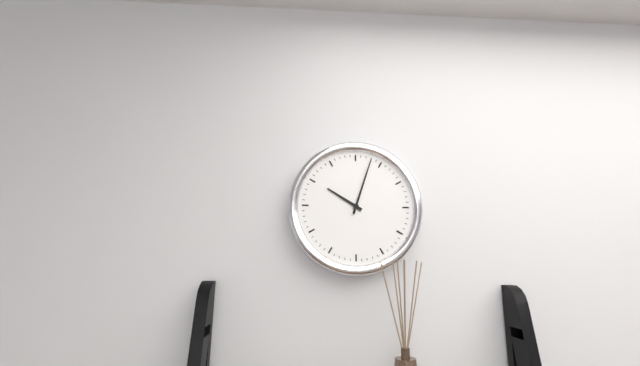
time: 10:03
